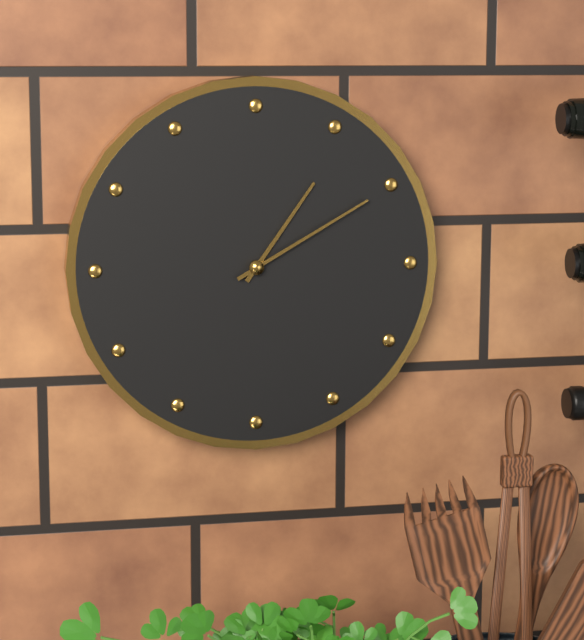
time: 1:10
